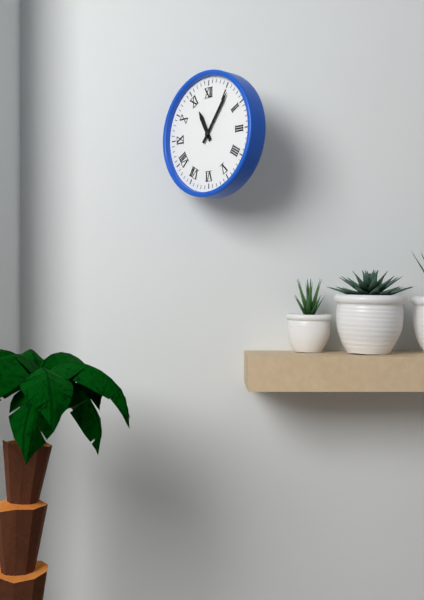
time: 11:06
